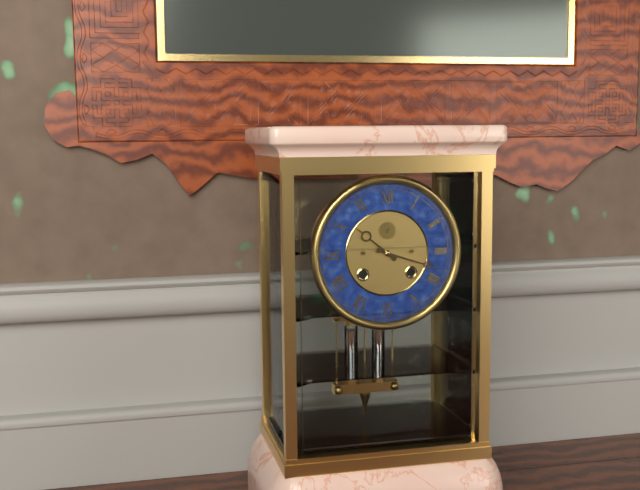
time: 10:18
